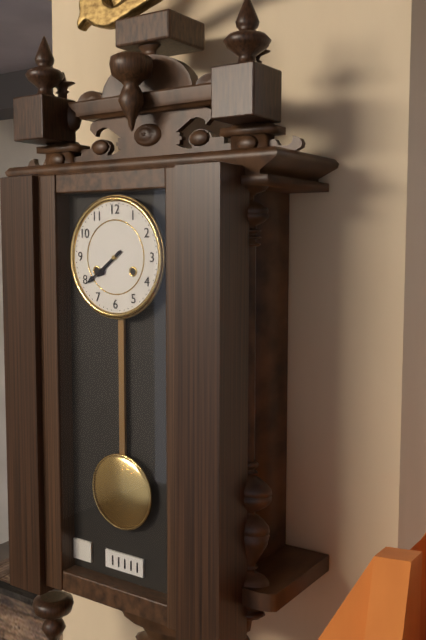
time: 7:39
